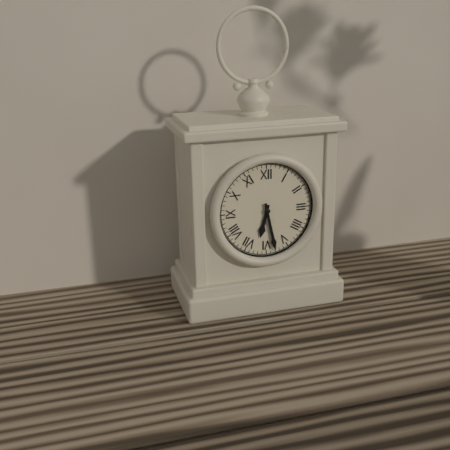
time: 6:28
